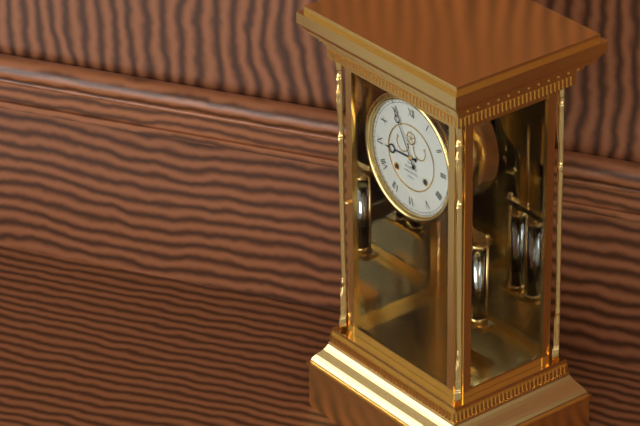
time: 8:55
